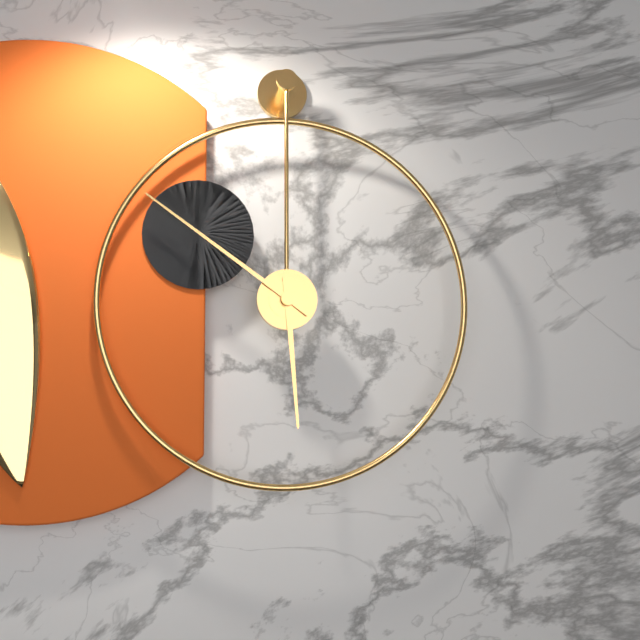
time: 5:51
